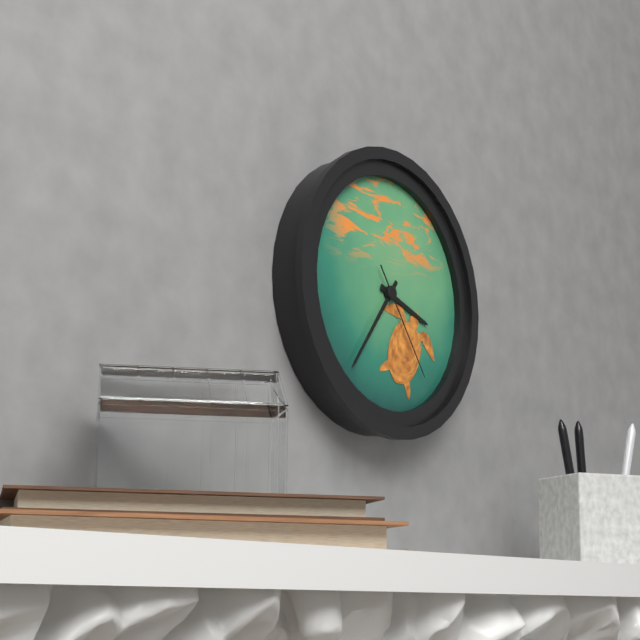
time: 3:36:24
